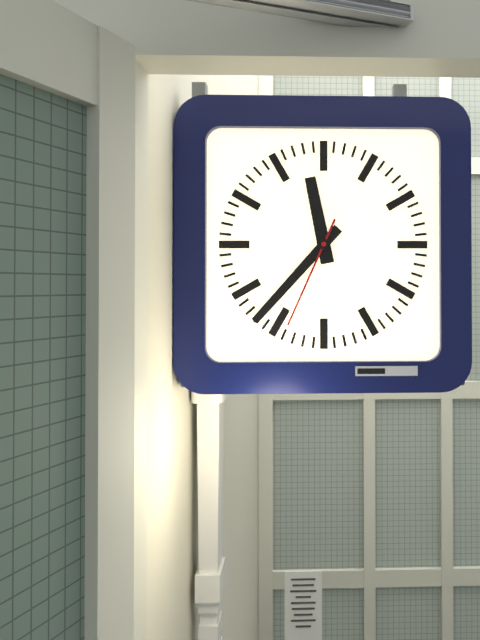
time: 11:37:34
